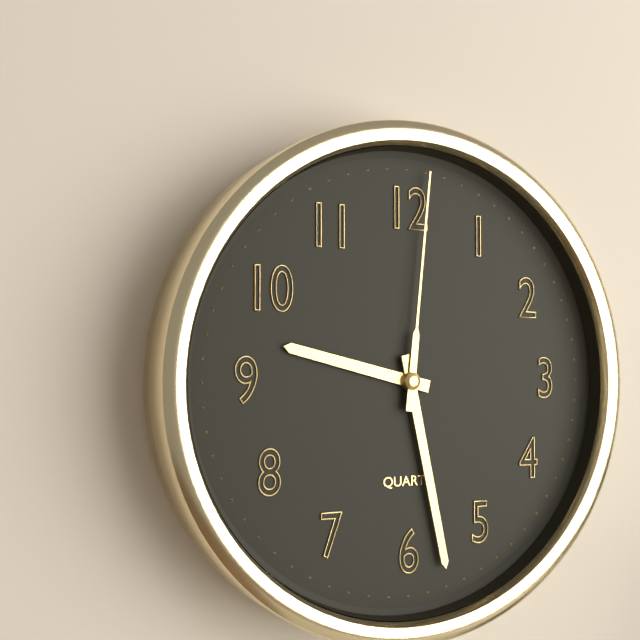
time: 9:28:01
